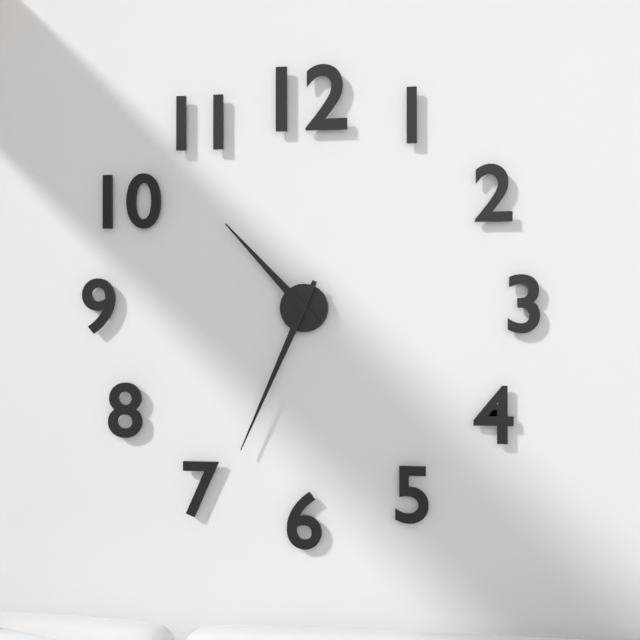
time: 10:34
